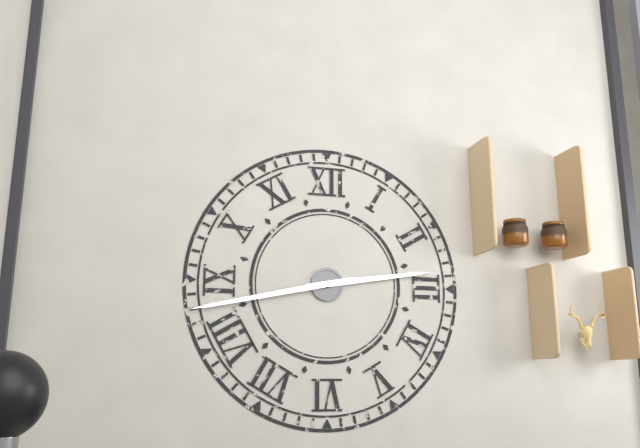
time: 2:43
